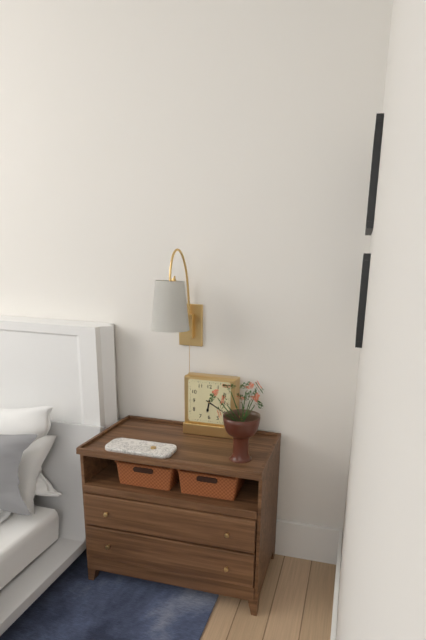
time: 6:20
